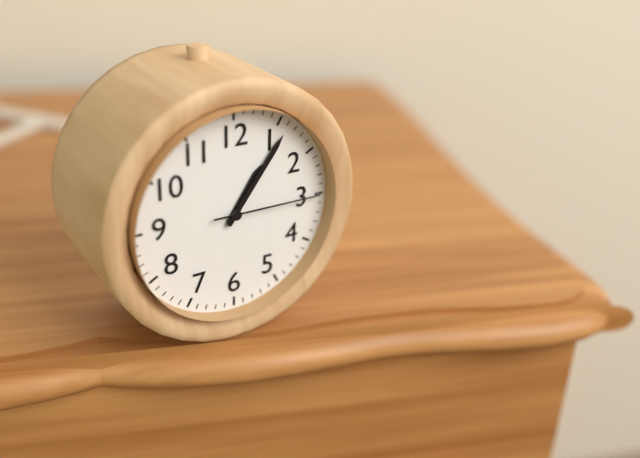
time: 1:06:15
